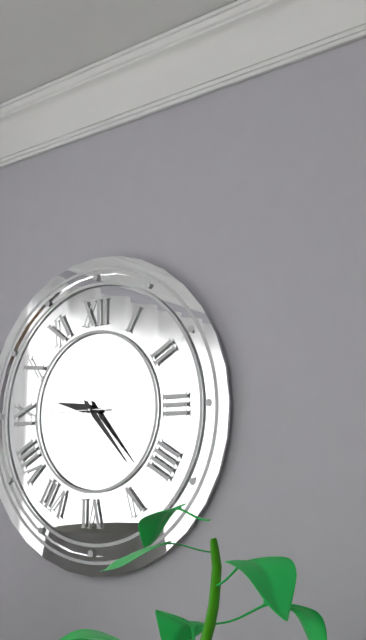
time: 9:23:45
